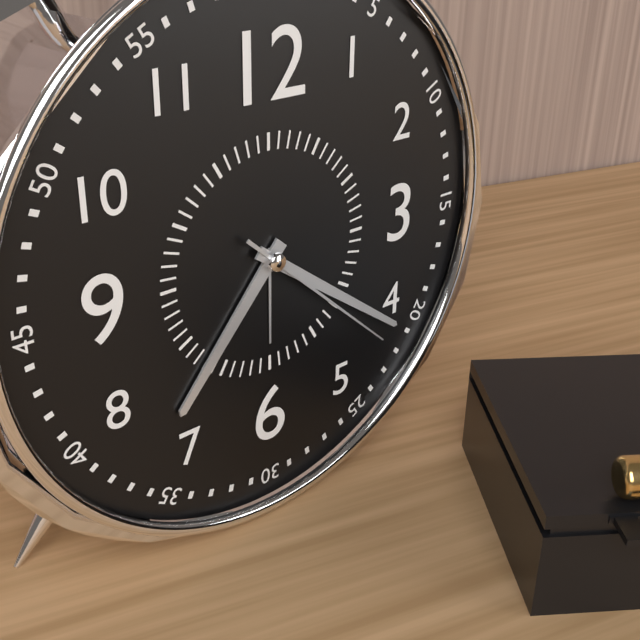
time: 7:21:22
